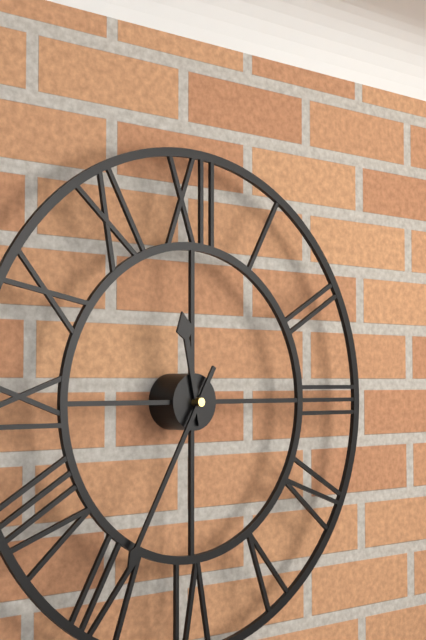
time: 11:35
